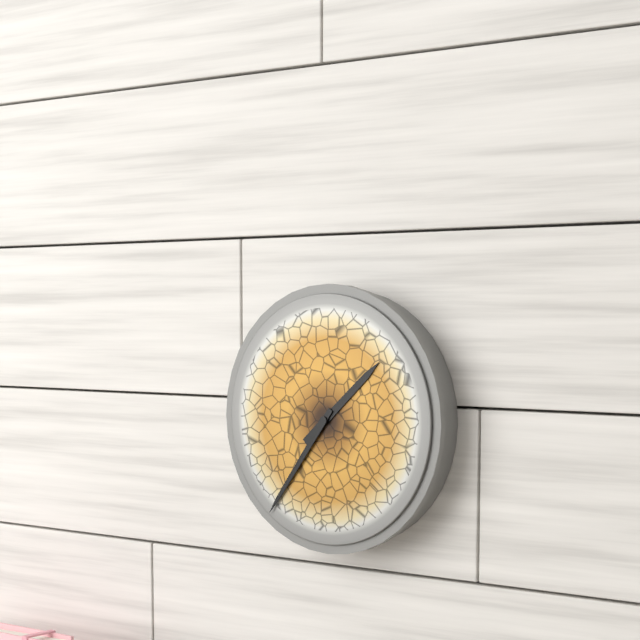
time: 1:36
